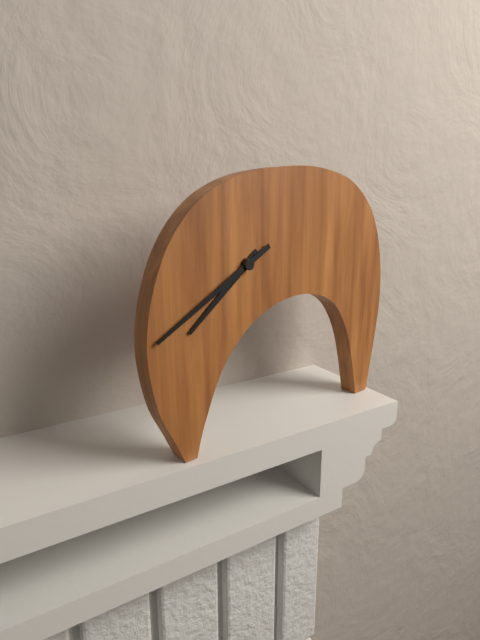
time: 7:40
